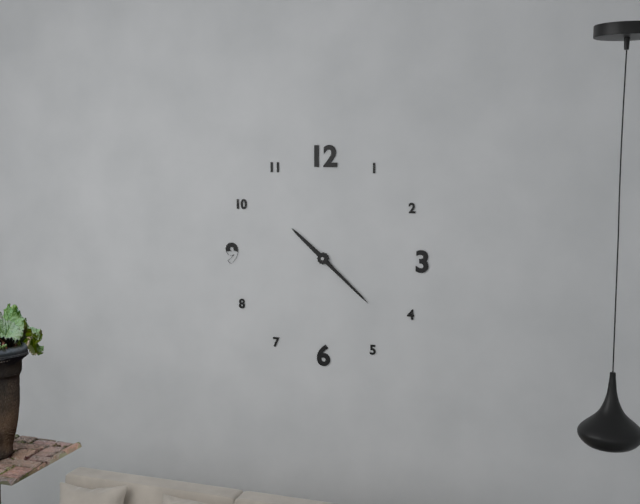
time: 10:22
